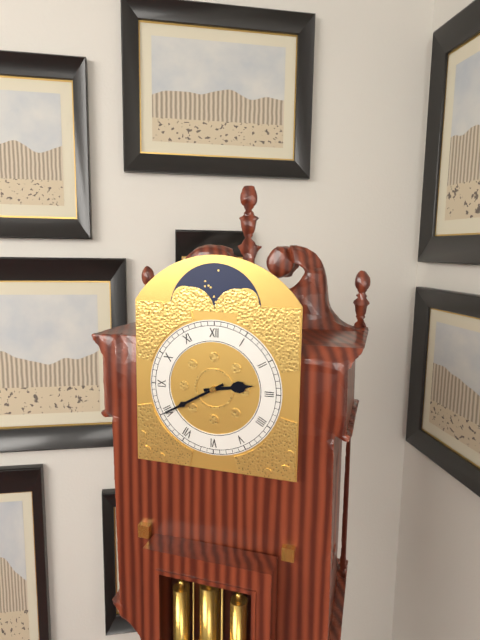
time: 2:40
